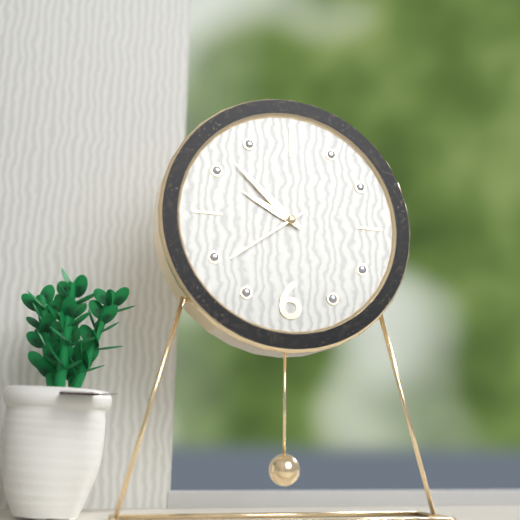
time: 9:52:39
